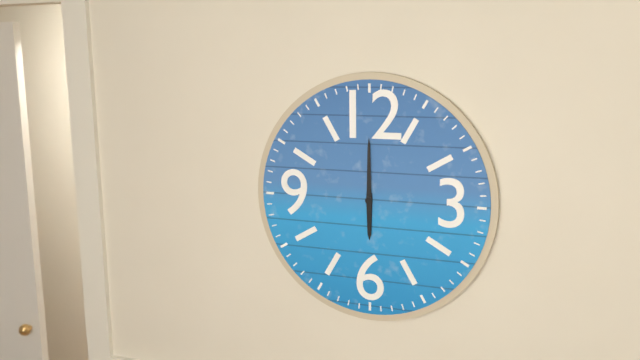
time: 6:00
